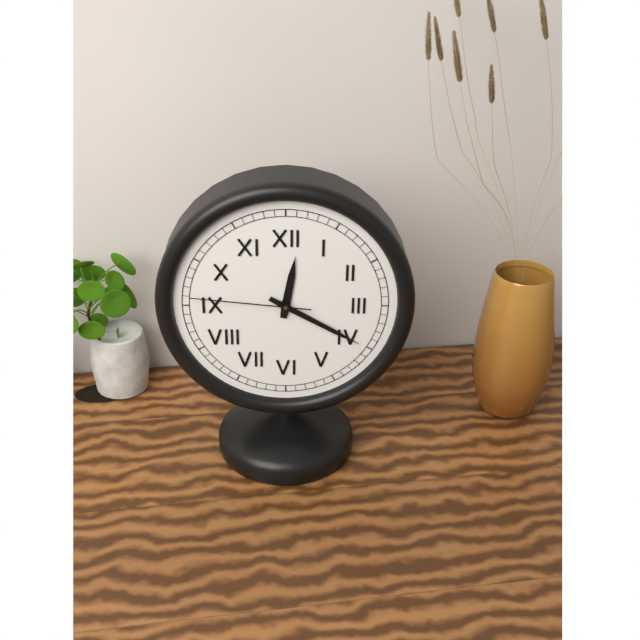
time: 12:20:46
